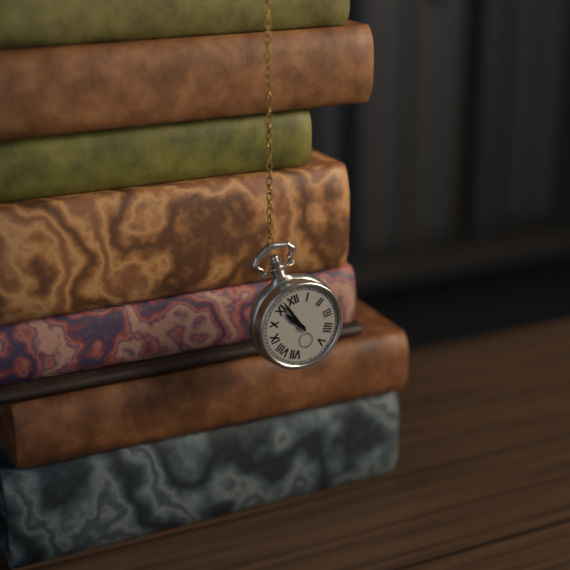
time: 10:57
